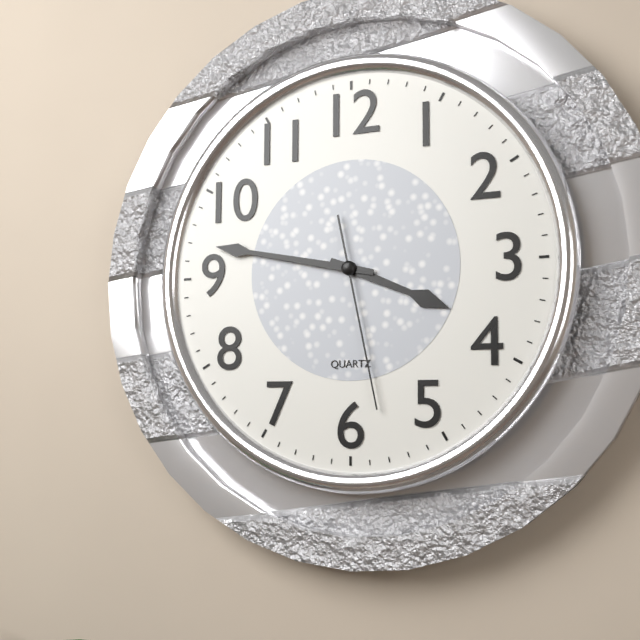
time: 3:47:28
